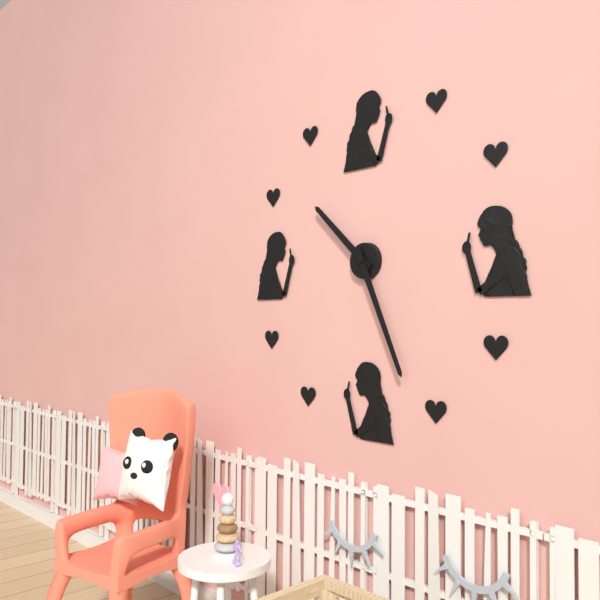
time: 10:26
